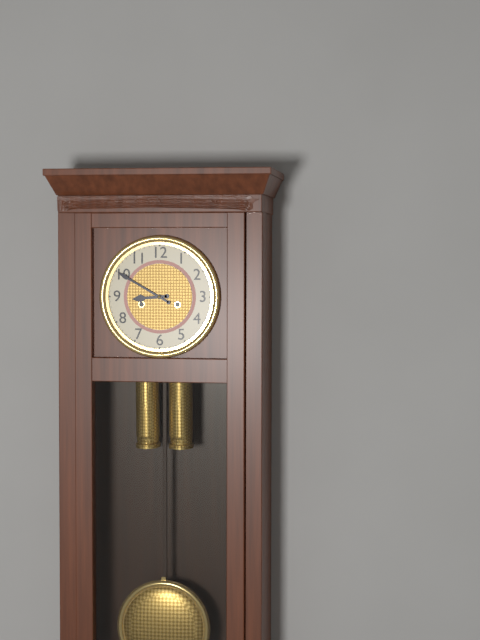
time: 8:50
